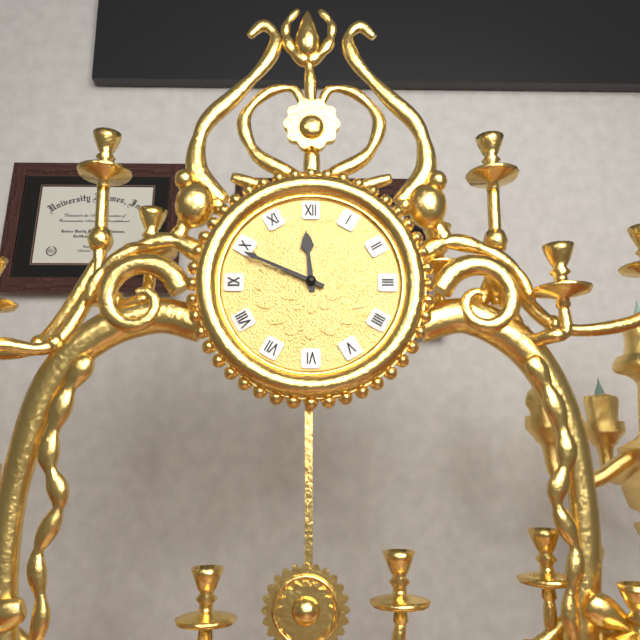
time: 11:49
